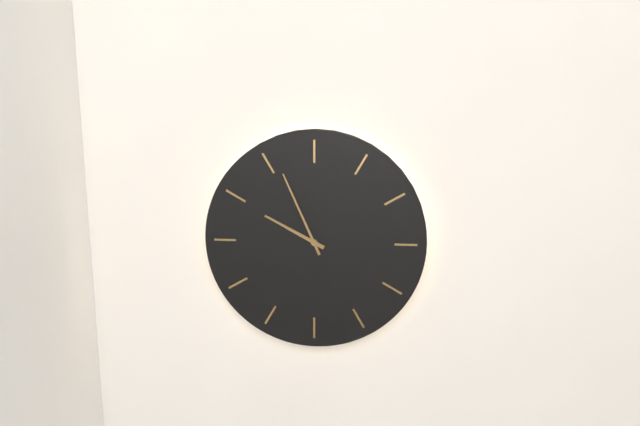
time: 9:56
